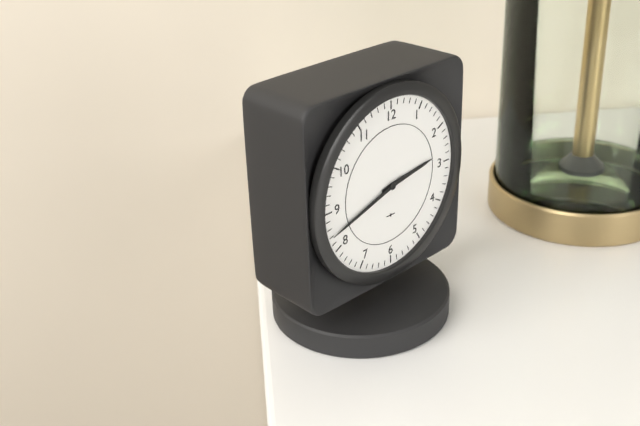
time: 2:42
